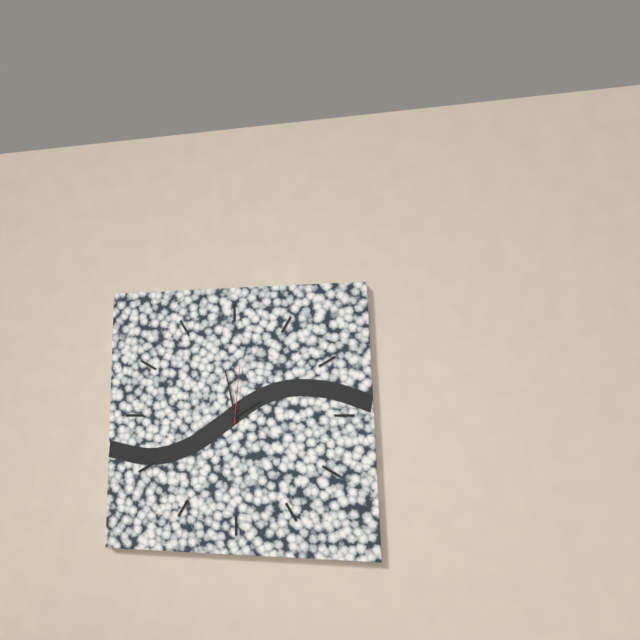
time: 1:58:01
